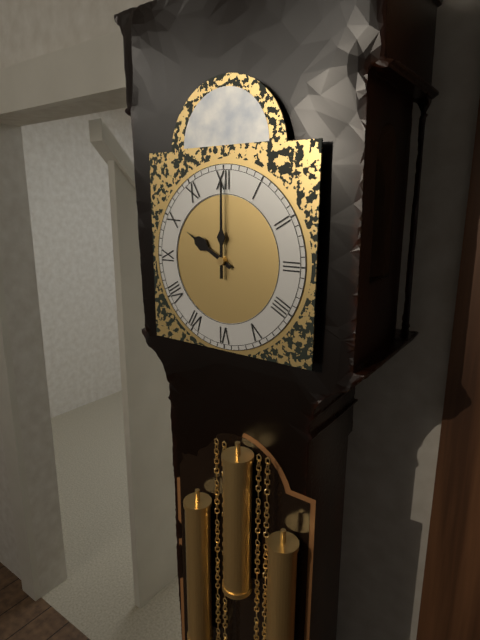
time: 10:00
